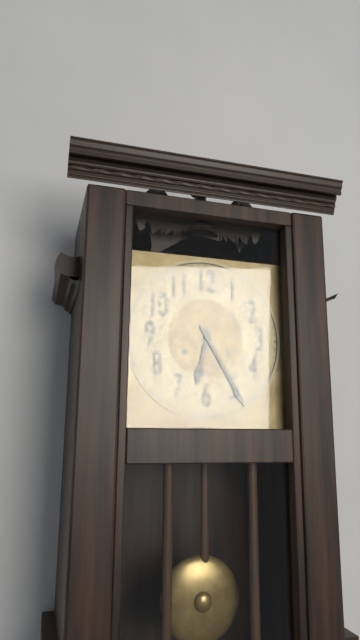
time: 6:25
